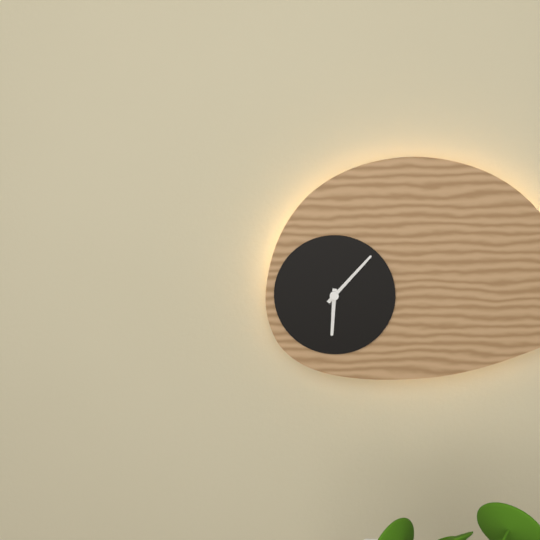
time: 6:07
